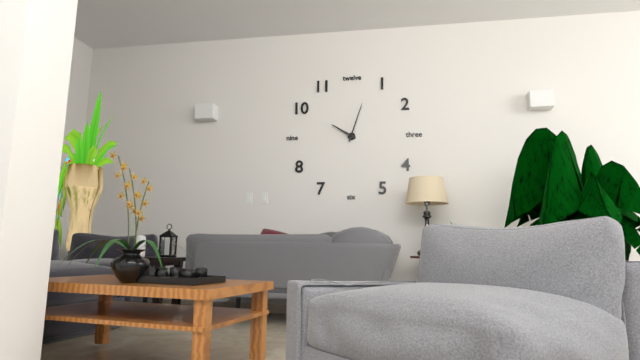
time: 10:03
